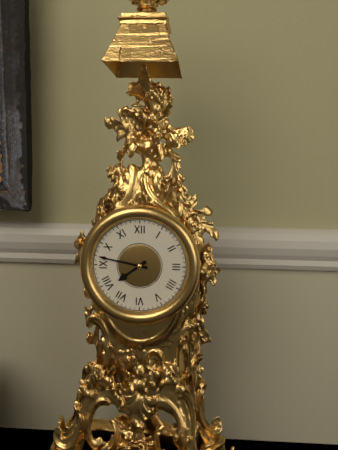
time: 7:47
